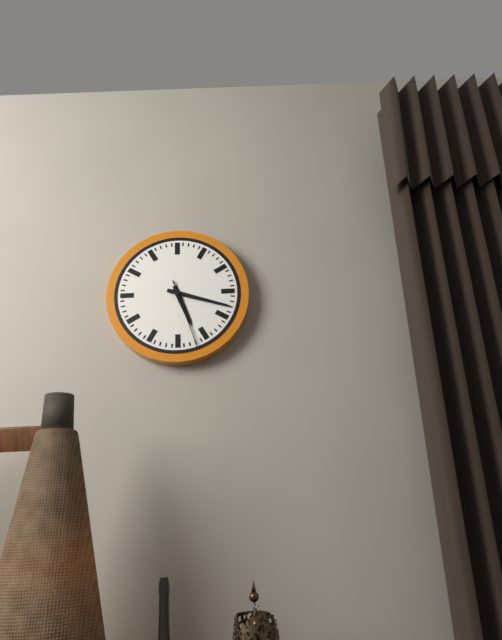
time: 5:18:27
